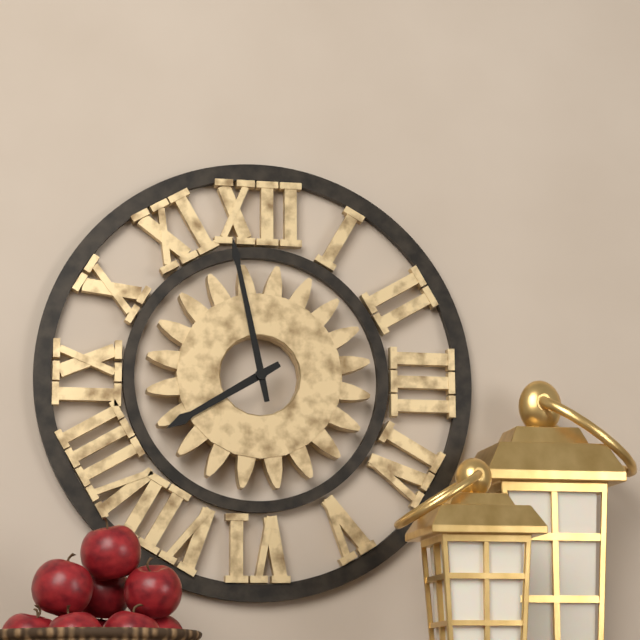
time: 7:58
